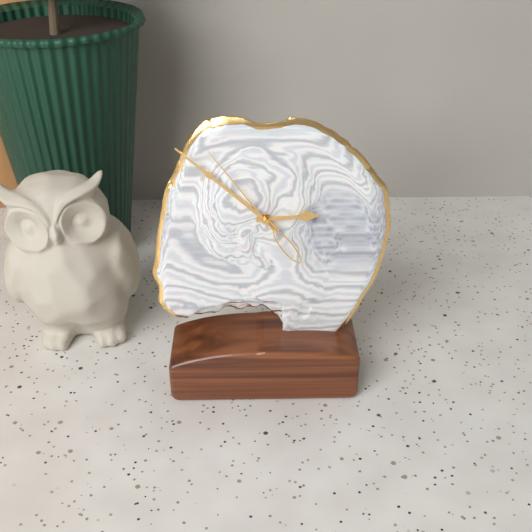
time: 2:52:54
